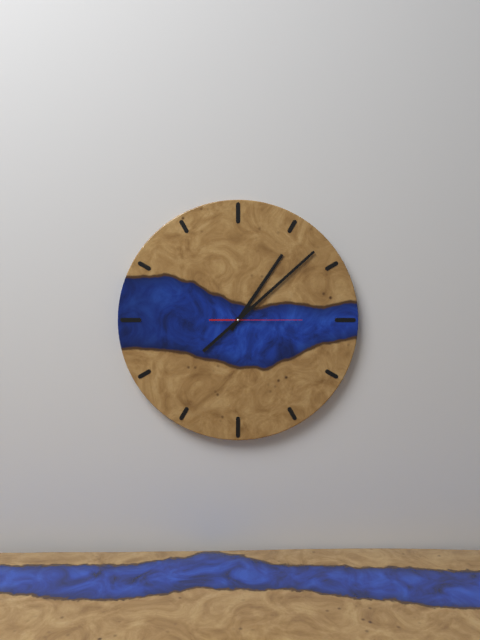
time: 1:08:15
